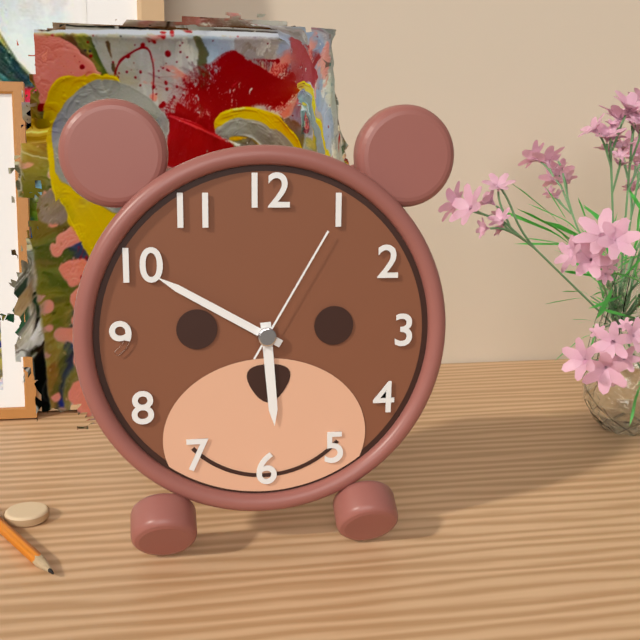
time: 5:50:05
